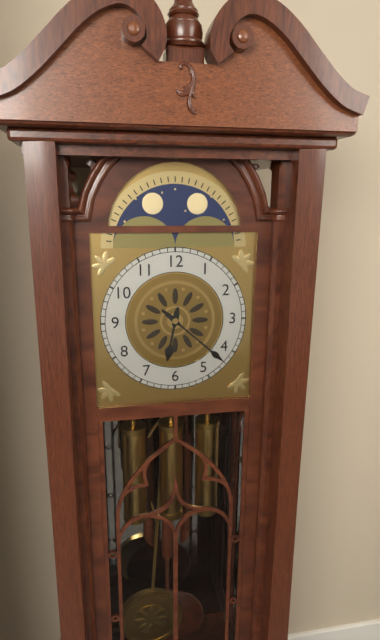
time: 6:22
